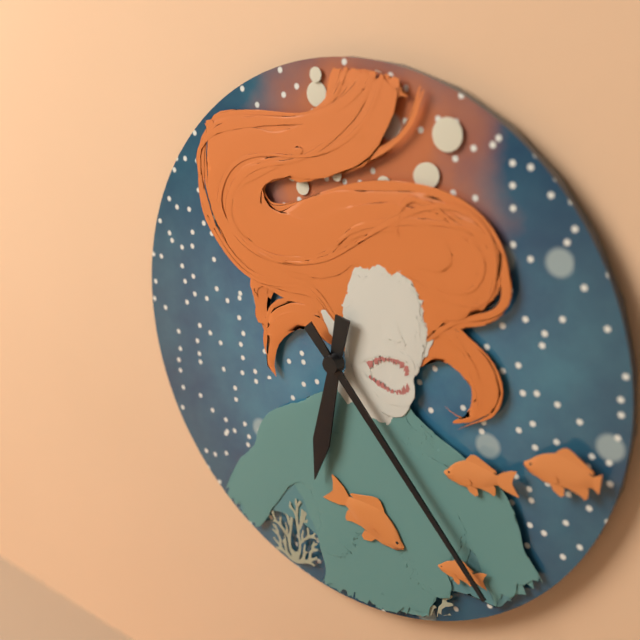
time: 6:23
